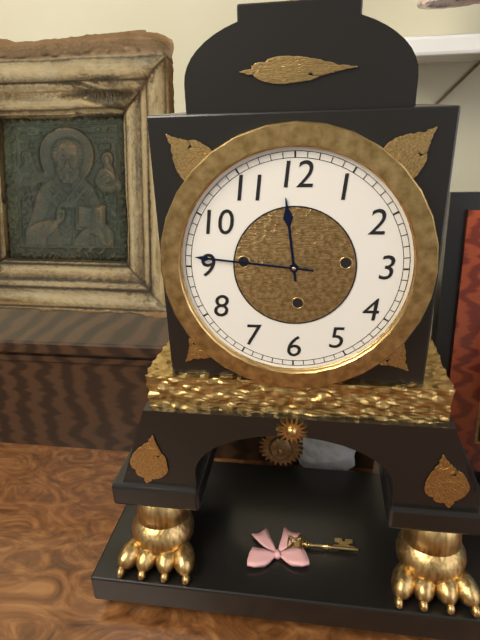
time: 11:46
